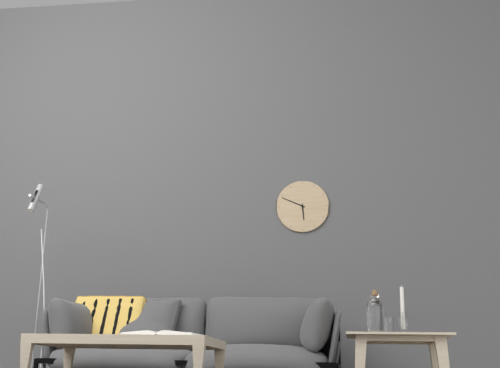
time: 5:49
